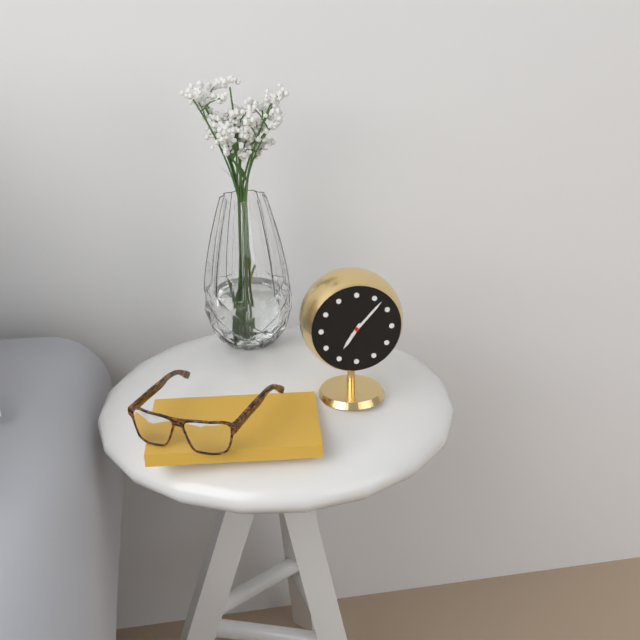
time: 7:07
